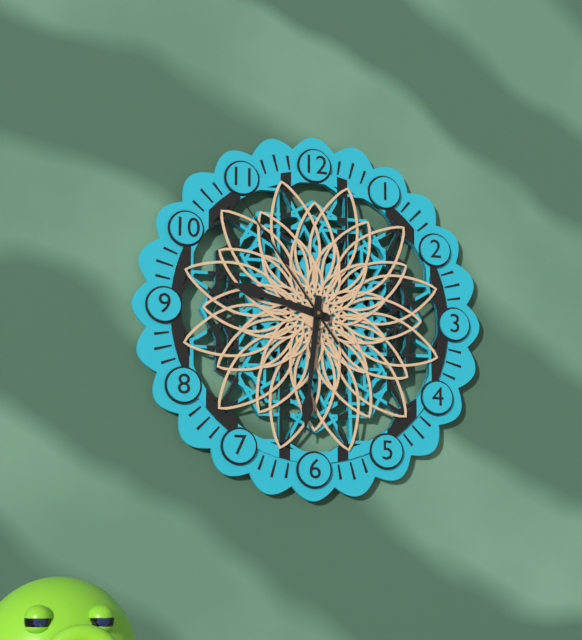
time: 9:31:54
